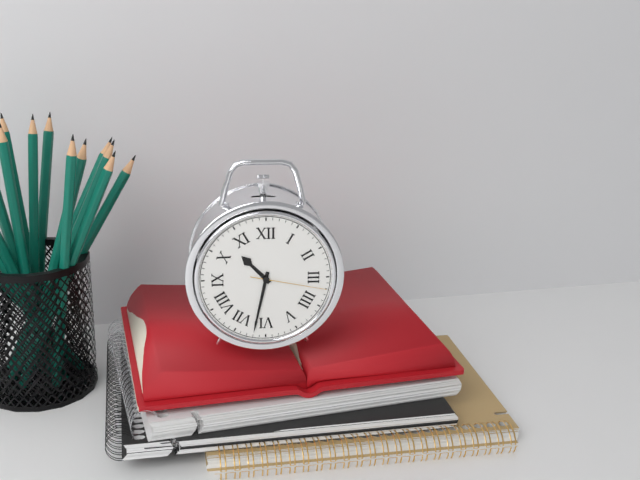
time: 10:32:17
